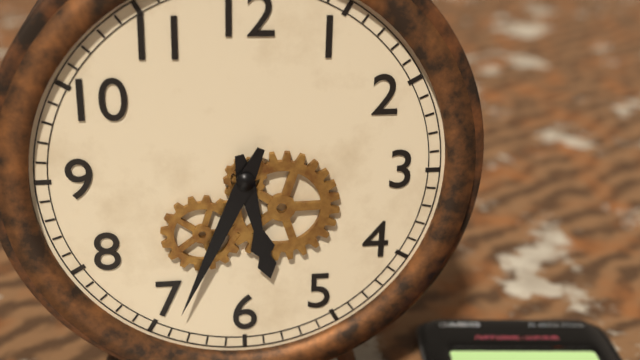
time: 5:34
